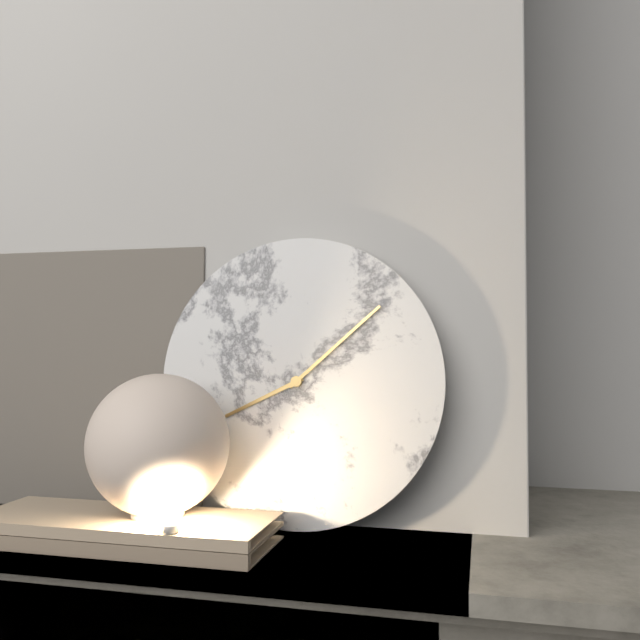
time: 8:08
